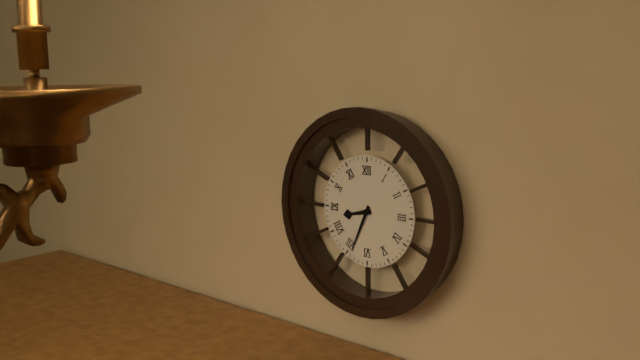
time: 8:34
